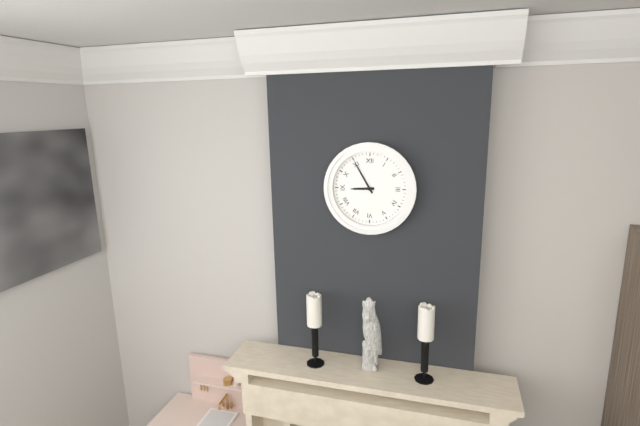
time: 8:55
